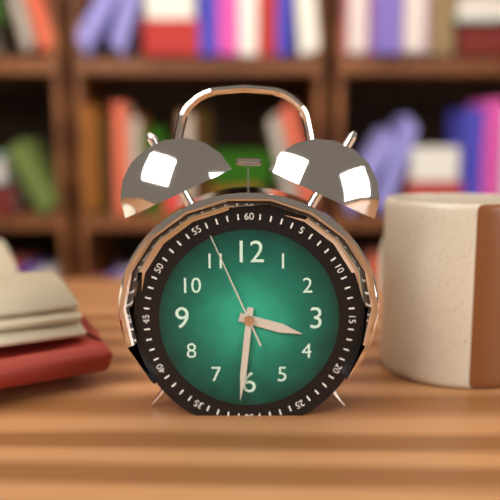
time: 3:31:56
